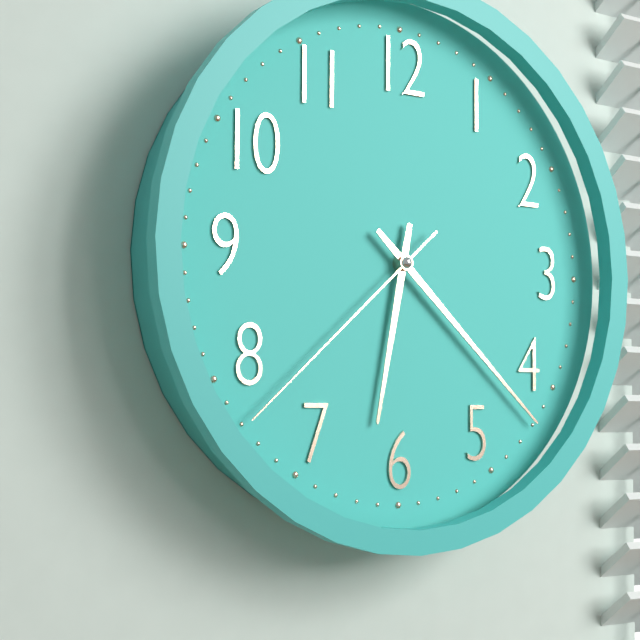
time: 6:22:38
